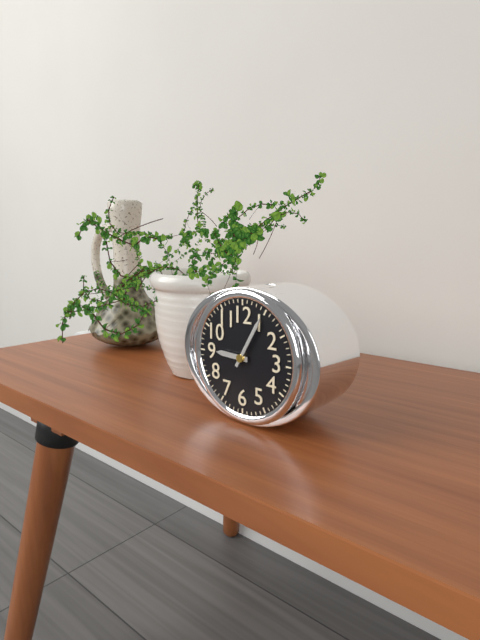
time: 9:05
